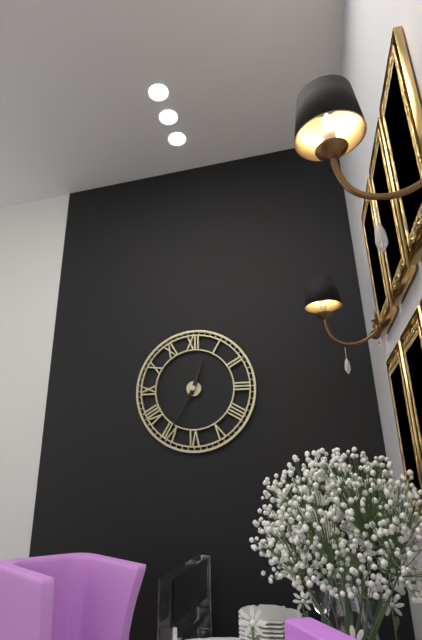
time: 12:35
